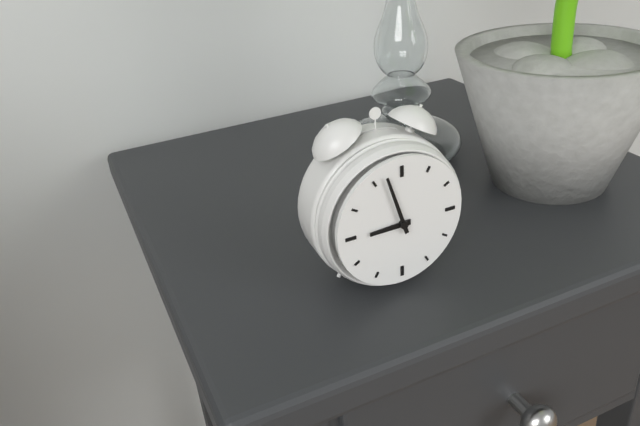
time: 8:57
